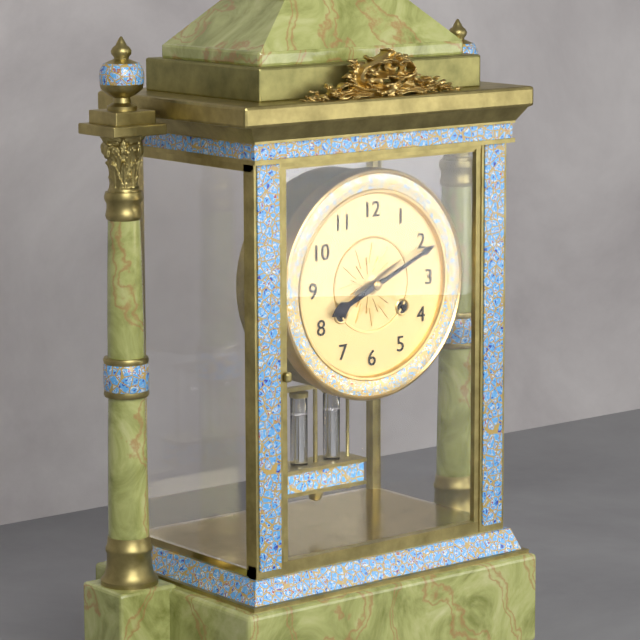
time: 8:11
